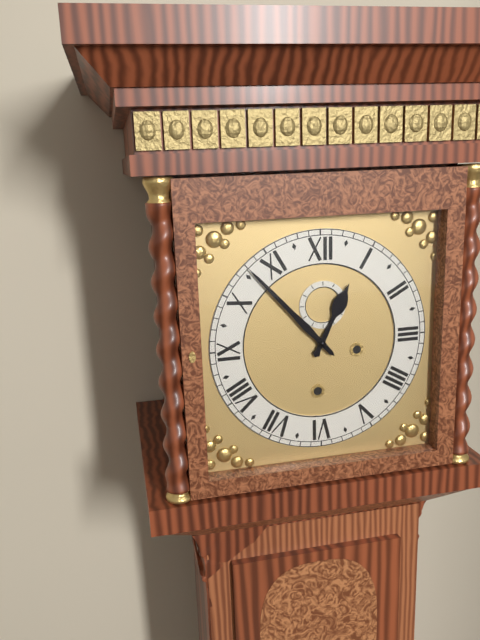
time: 12:53
